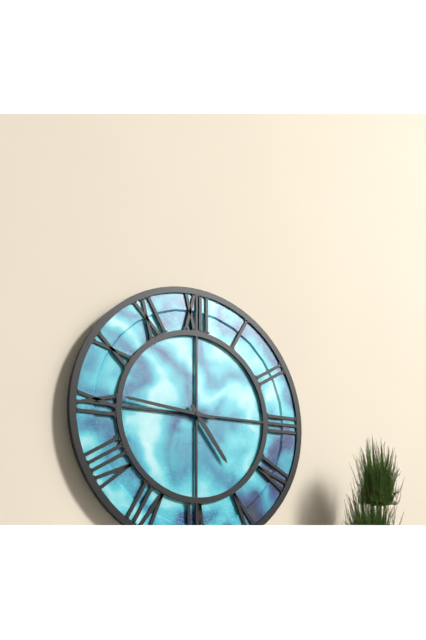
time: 4:46
